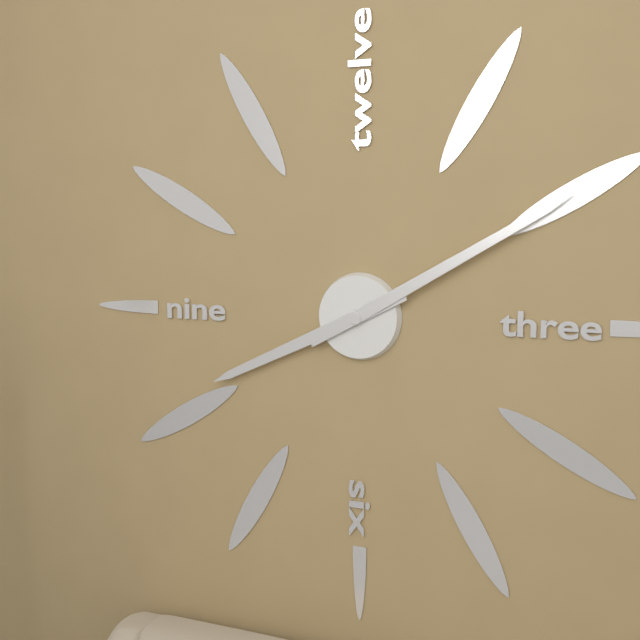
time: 8:10
